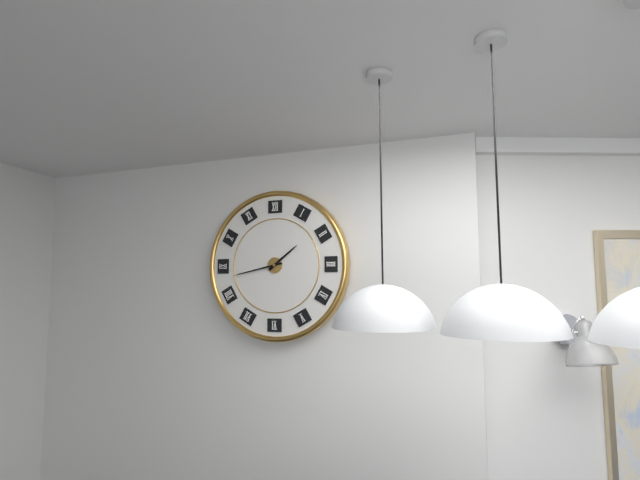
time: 1:43
